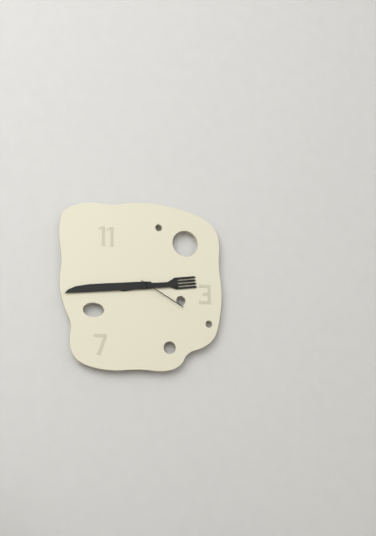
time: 2:44:20
